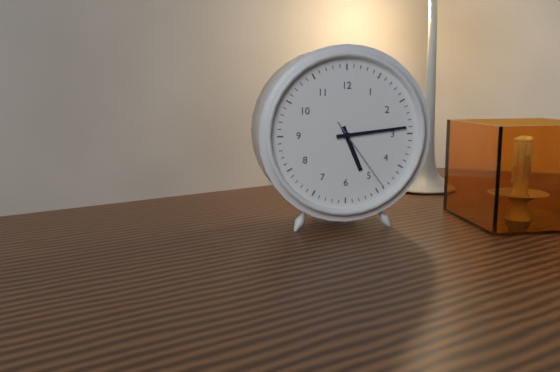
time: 5:14:24
